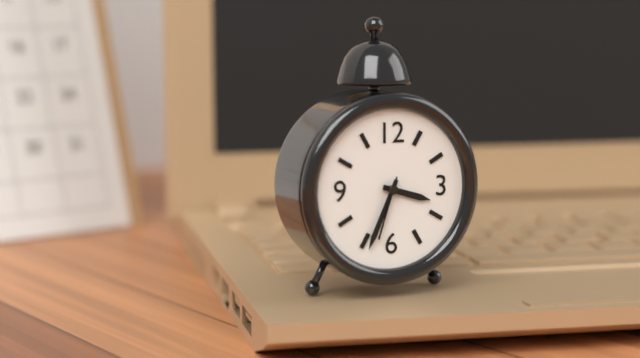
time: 3:34:33
